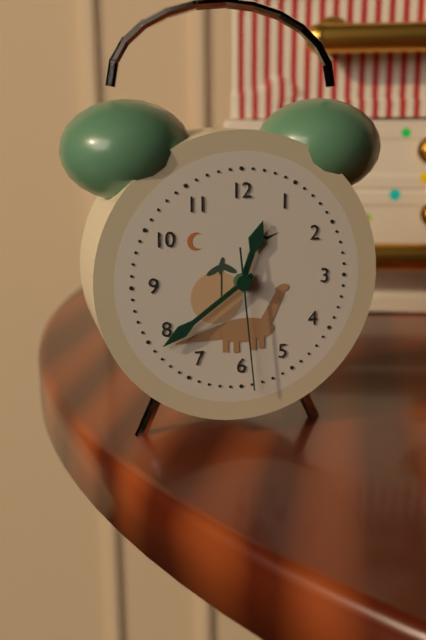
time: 12:39:29
